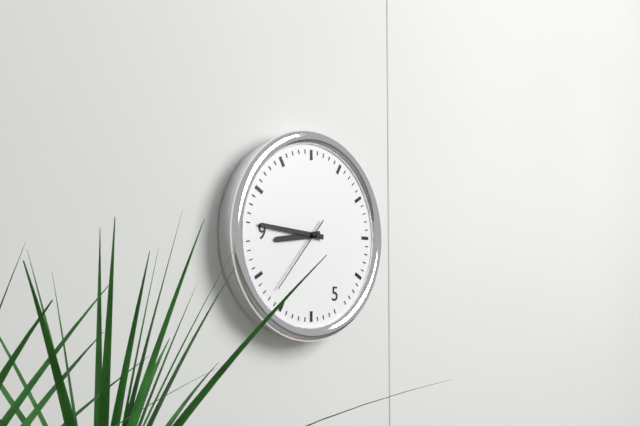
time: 8:46:37
